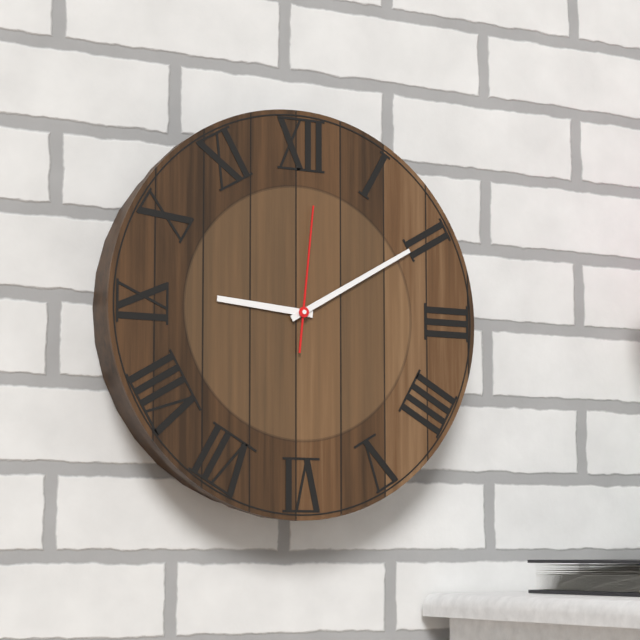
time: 9:10:01
